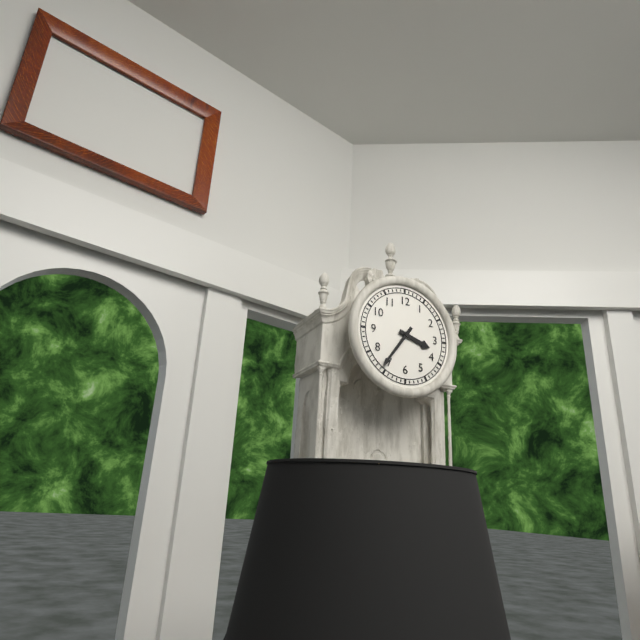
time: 3:36
